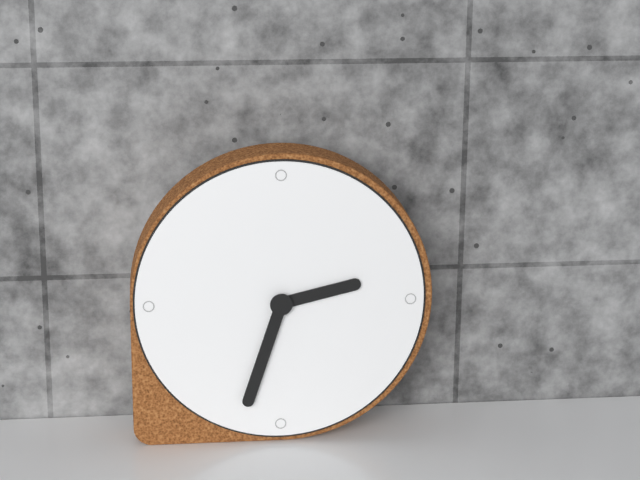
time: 2:33
